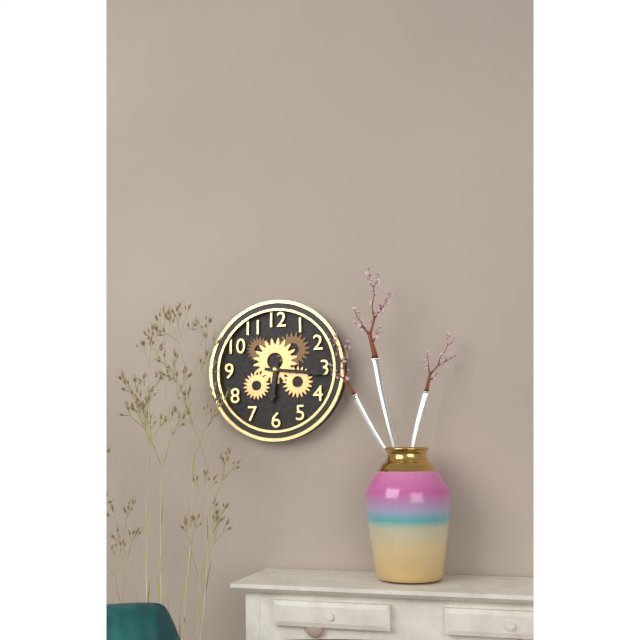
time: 6:16
